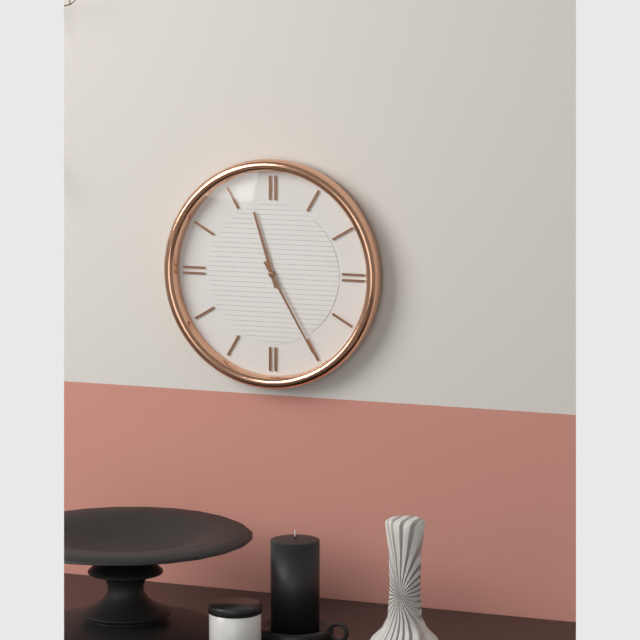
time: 11:25
